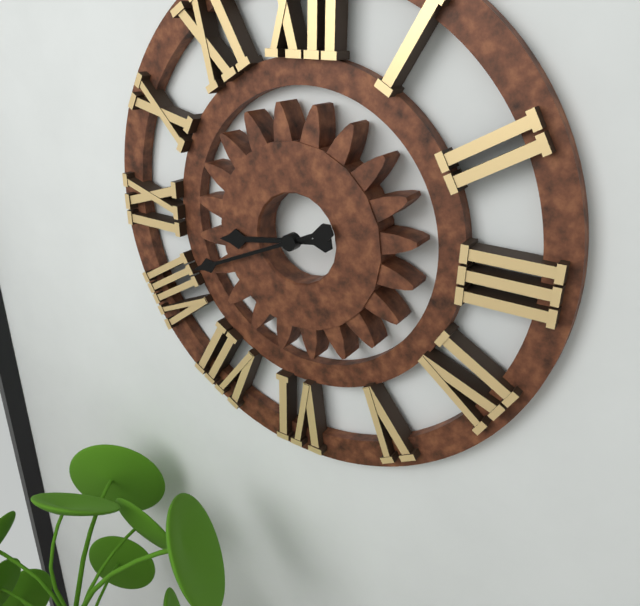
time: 8:41
